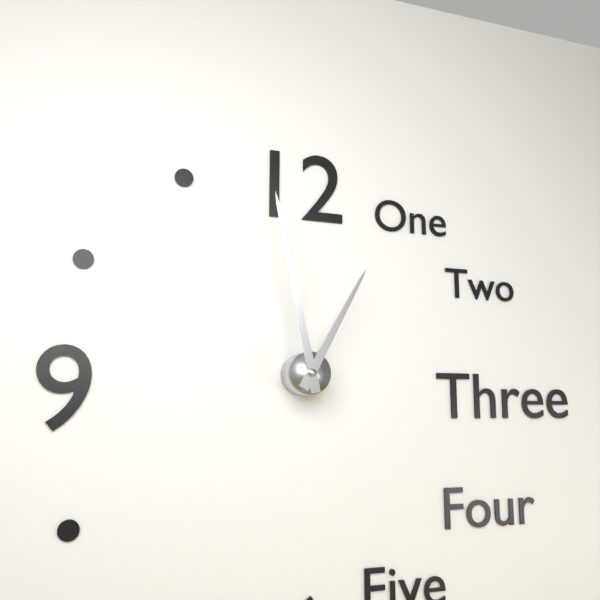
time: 12:58
